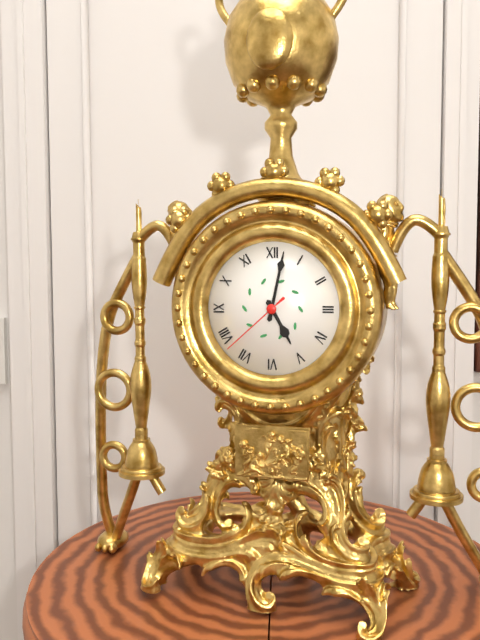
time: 5:02:38
